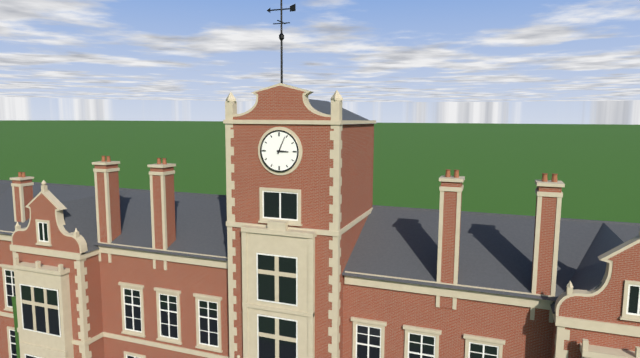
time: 3:04
